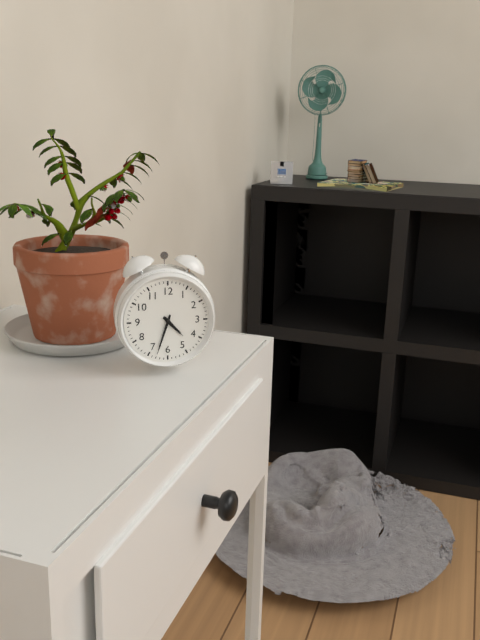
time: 4:33
